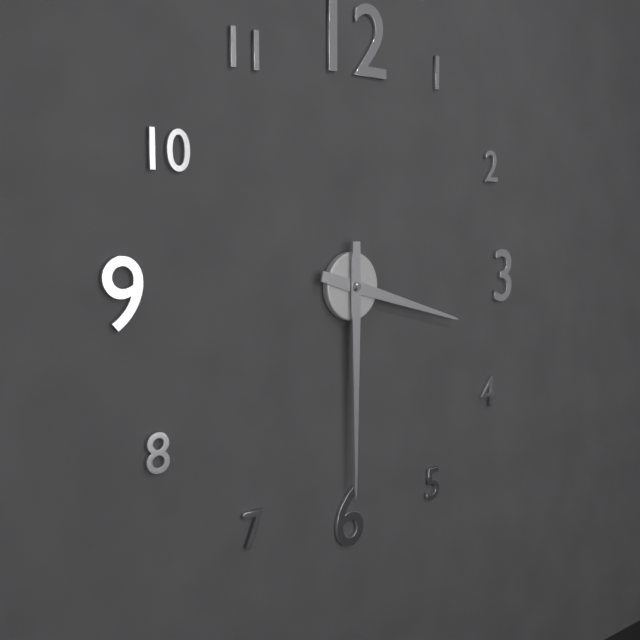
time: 3:30
